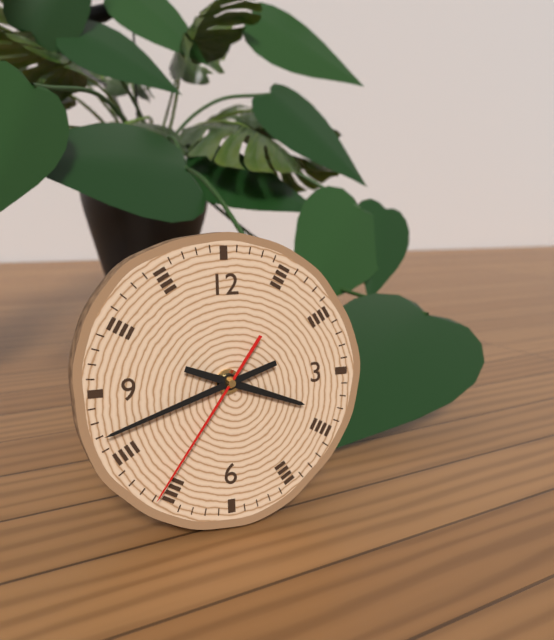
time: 3:42:36
